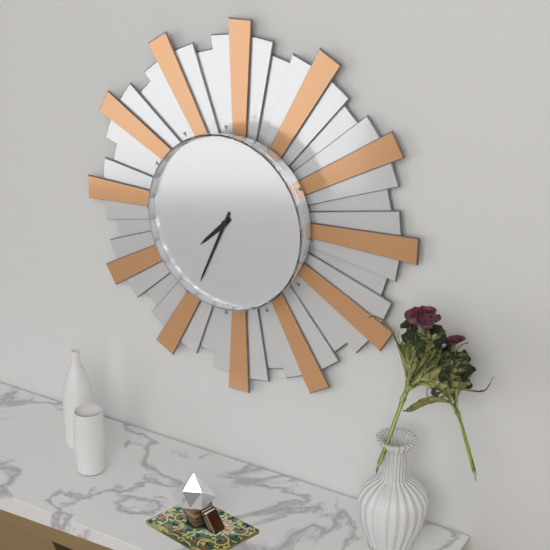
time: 7:34
